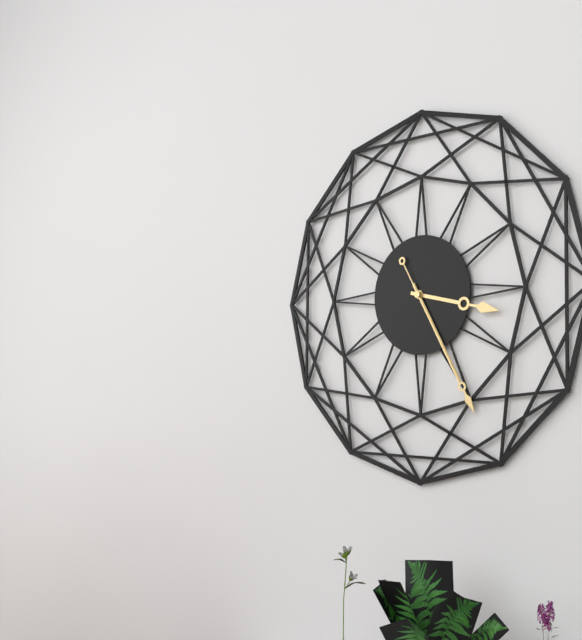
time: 3:25:25
